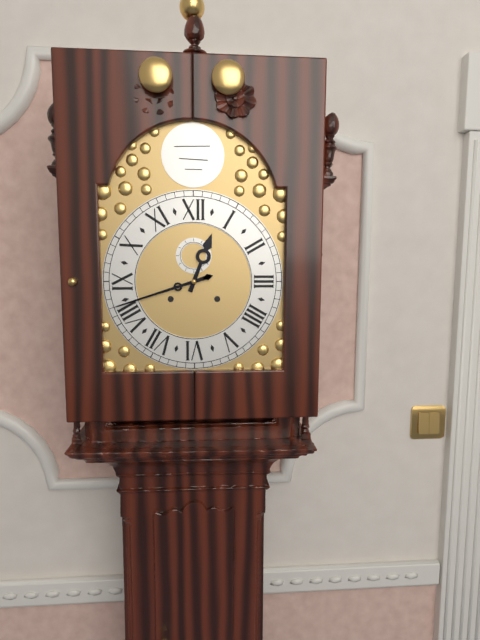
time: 12:42
